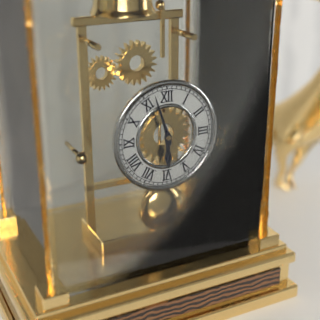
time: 5:57
